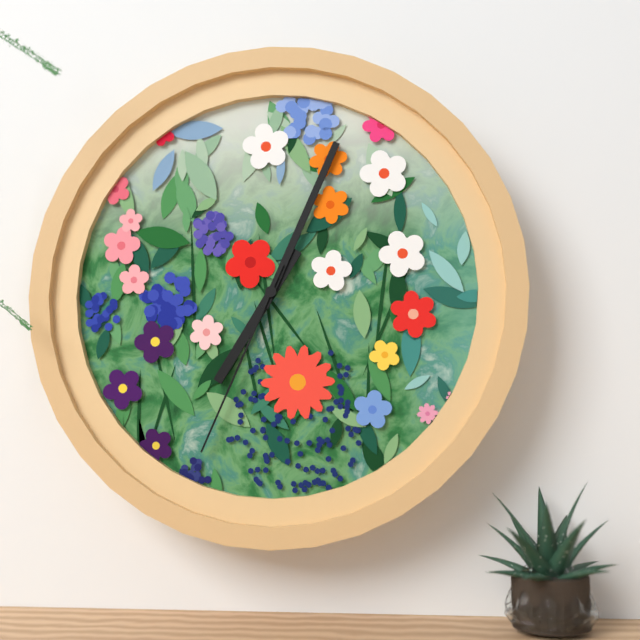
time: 7:04:34
